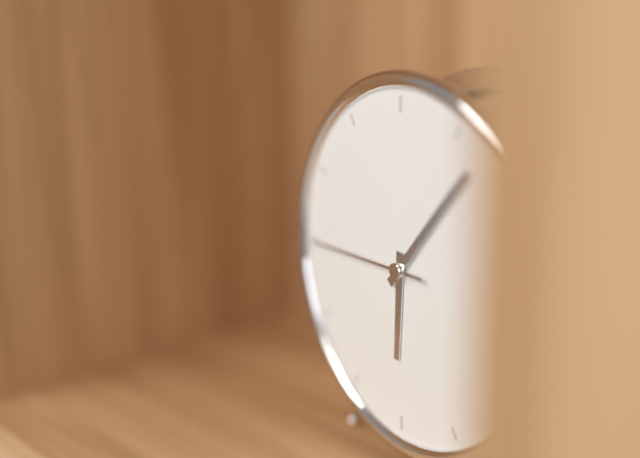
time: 6:07:45
